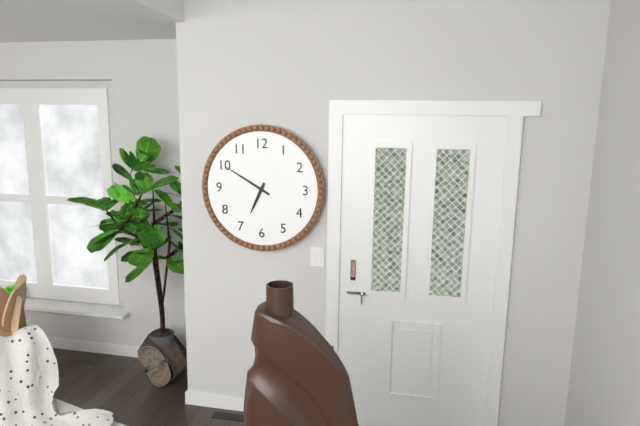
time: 6:50
